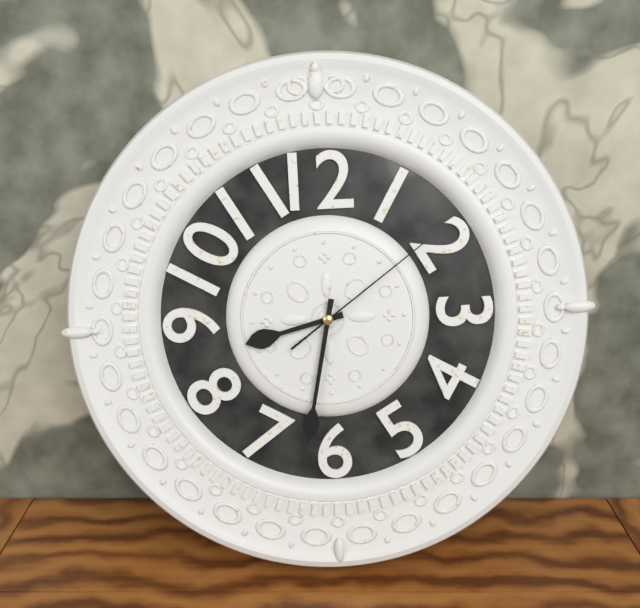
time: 8:32:09
